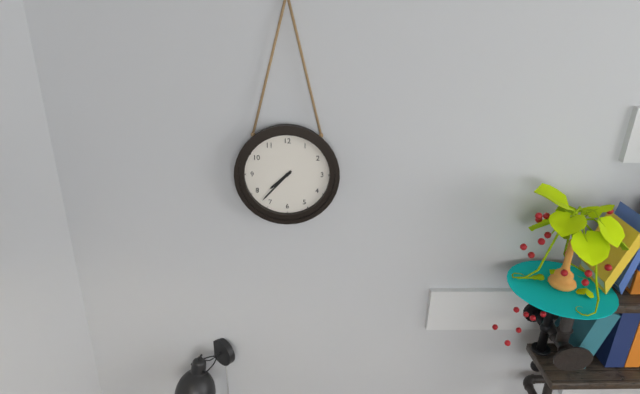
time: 7:37
